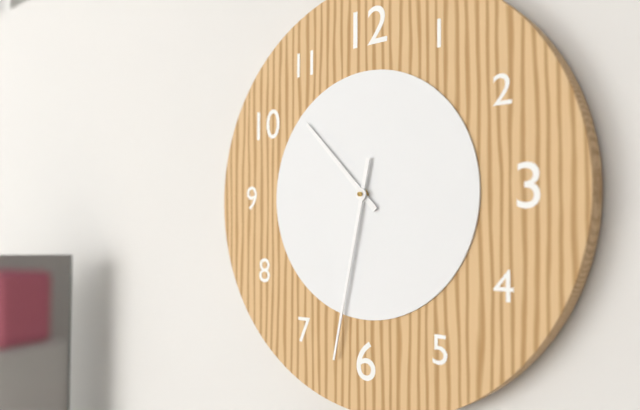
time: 10:32
